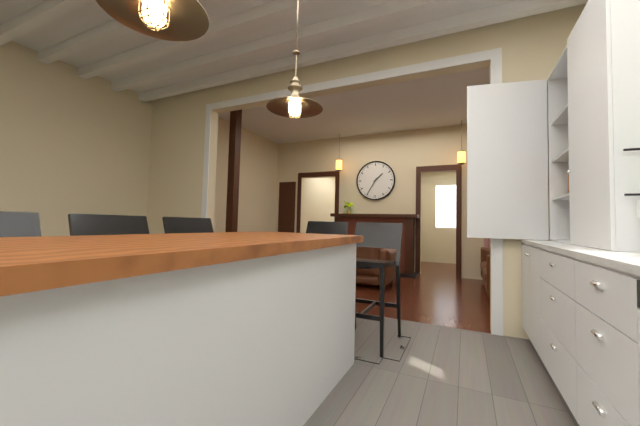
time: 1:35
